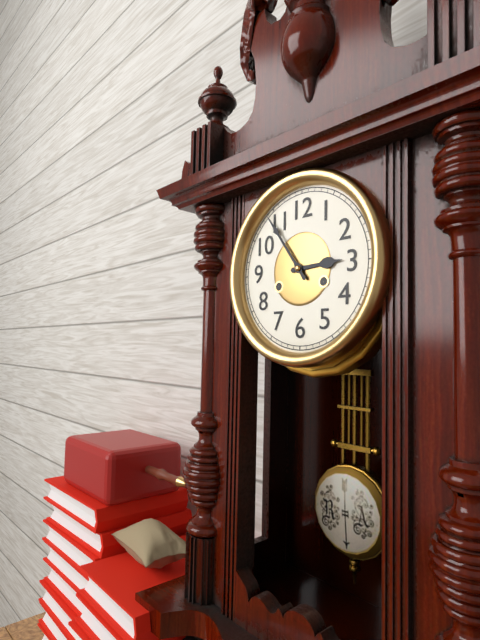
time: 2:54
